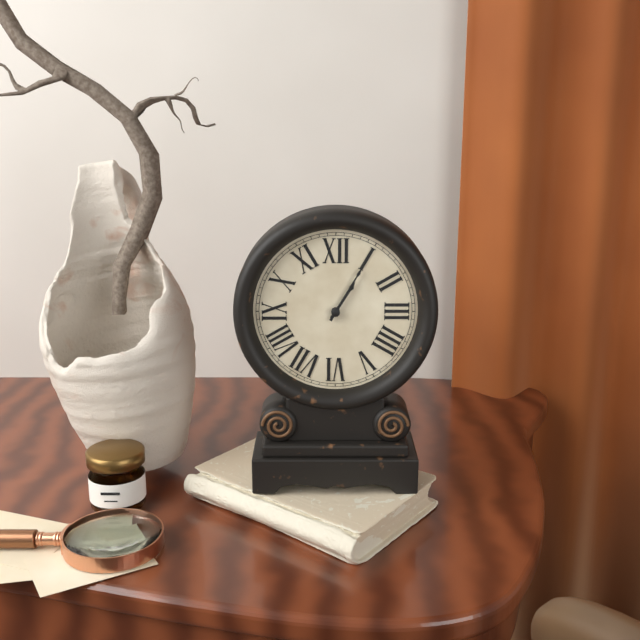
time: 1:05
